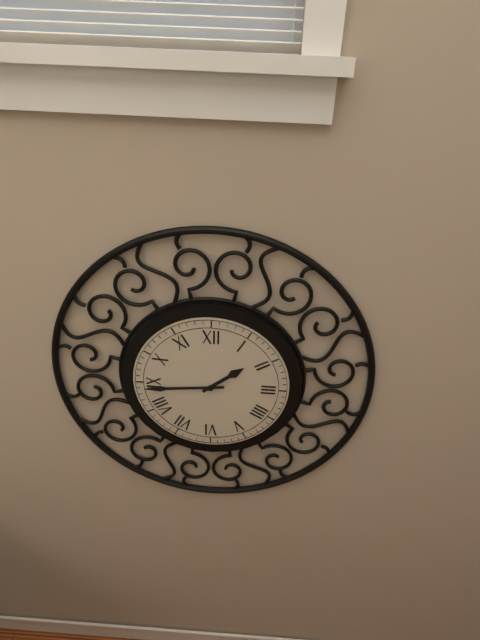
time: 1:44
